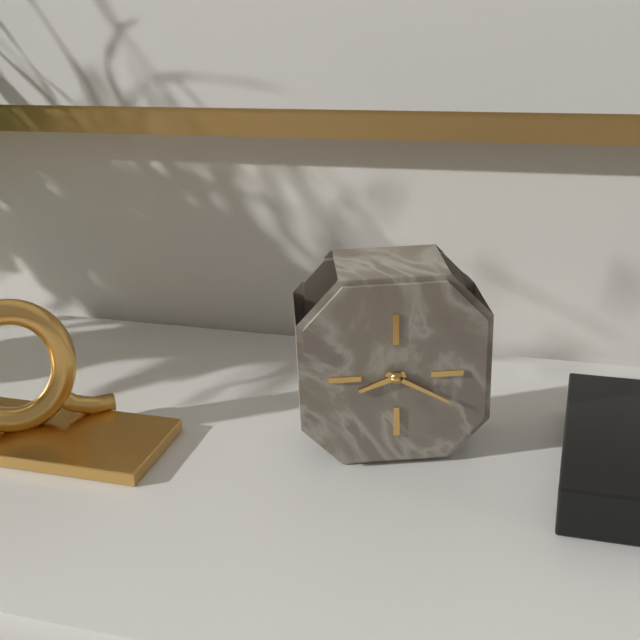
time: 8:20
